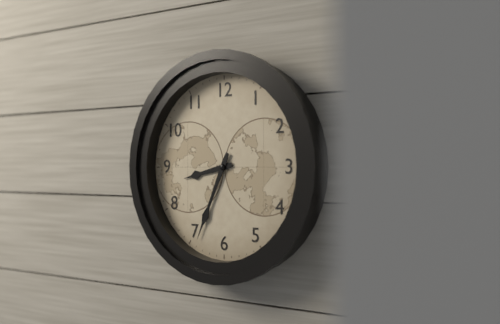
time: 8:34
